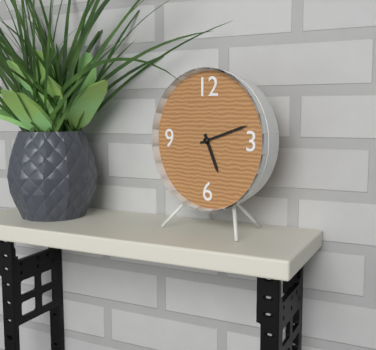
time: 5:12
